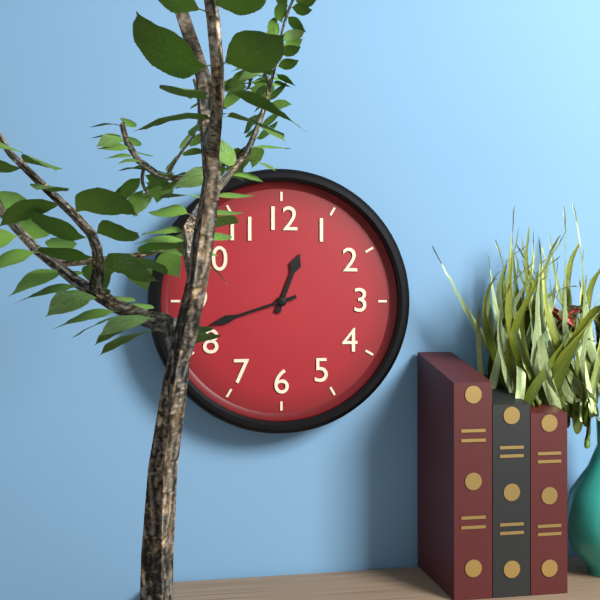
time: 12:42
